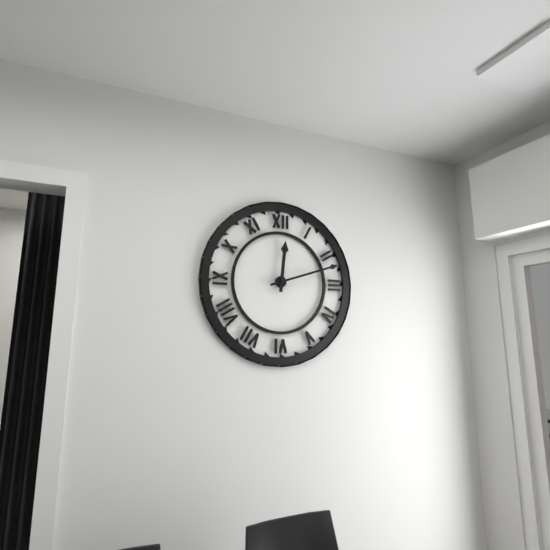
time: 12:12
